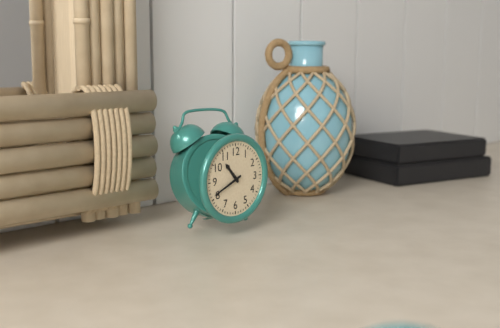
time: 10:41
